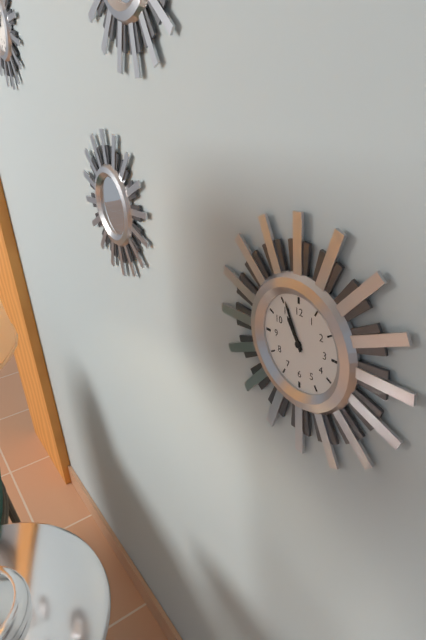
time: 10:56
